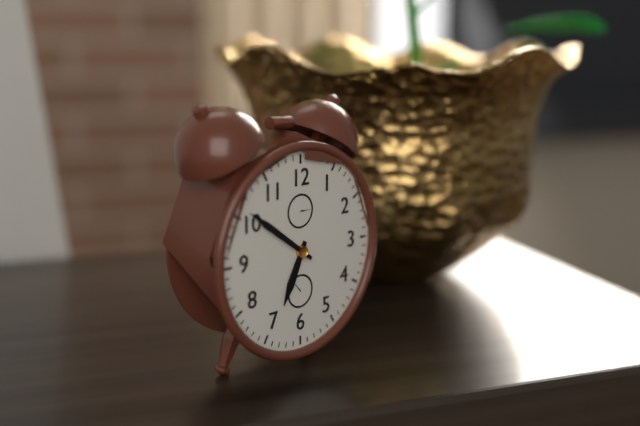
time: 6:51
